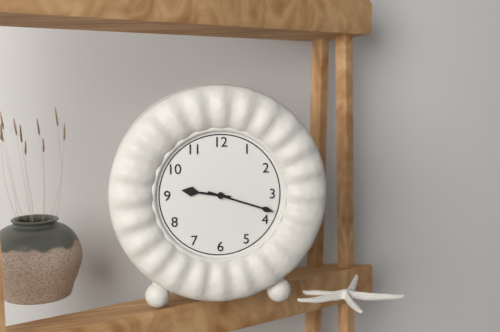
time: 9:18
